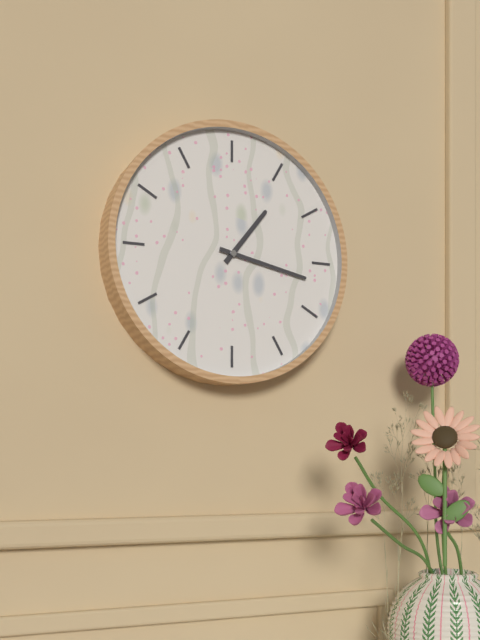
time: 1:17
